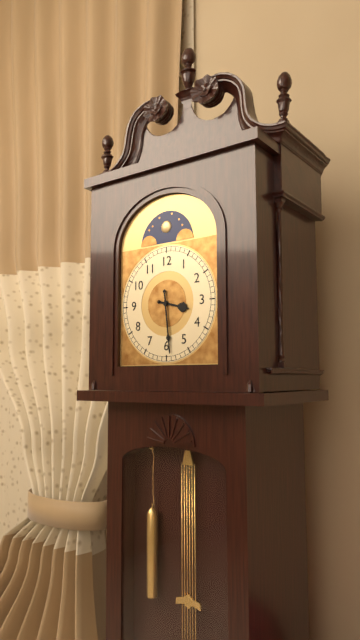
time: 3:29
